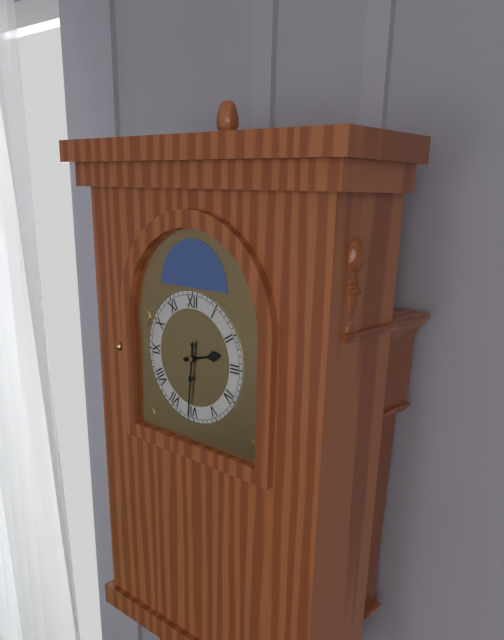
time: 2:31
